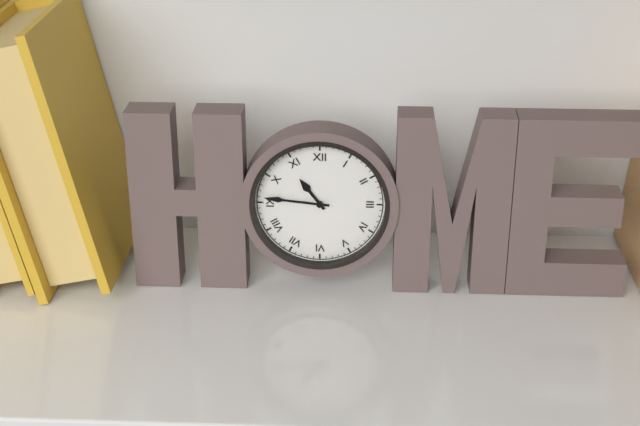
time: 10:46
